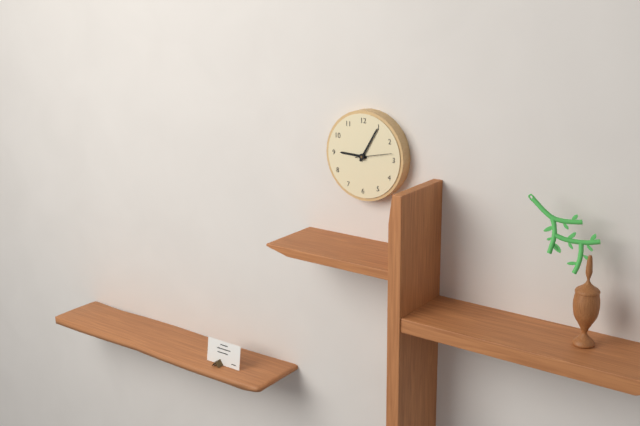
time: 9:05
